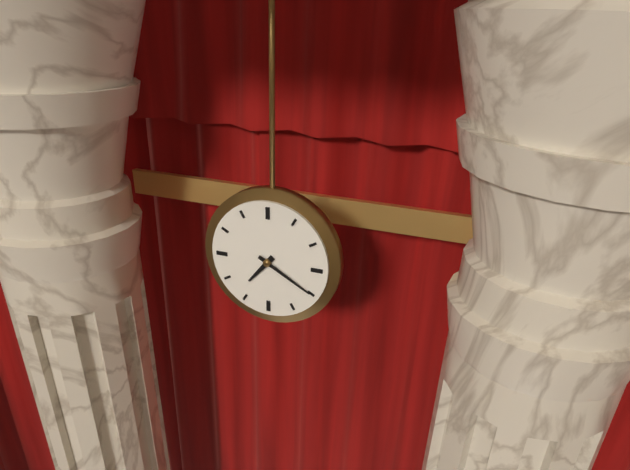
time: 7:20
